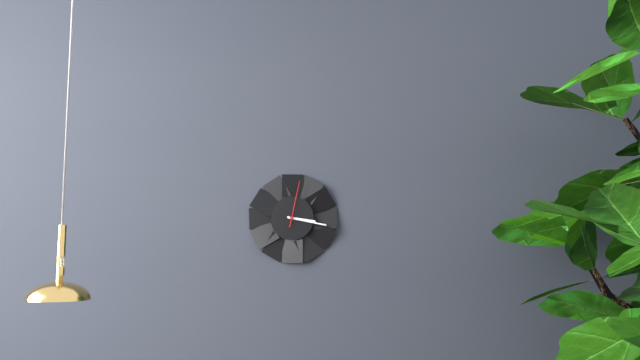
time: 3:17
